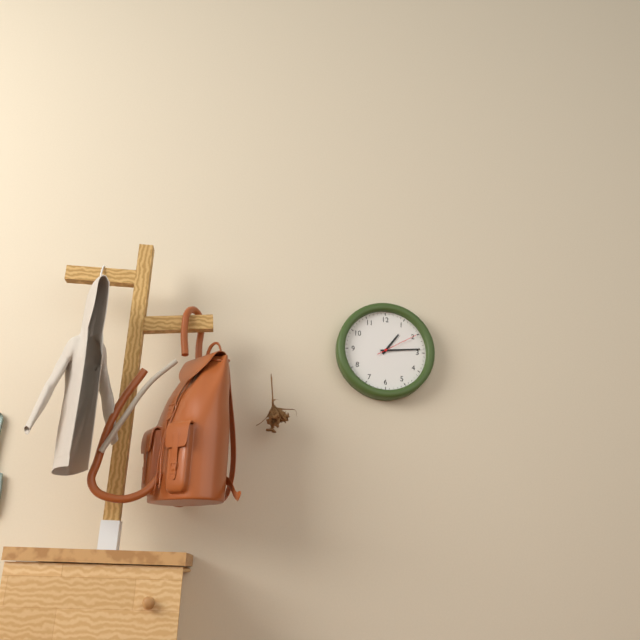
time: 1:14
